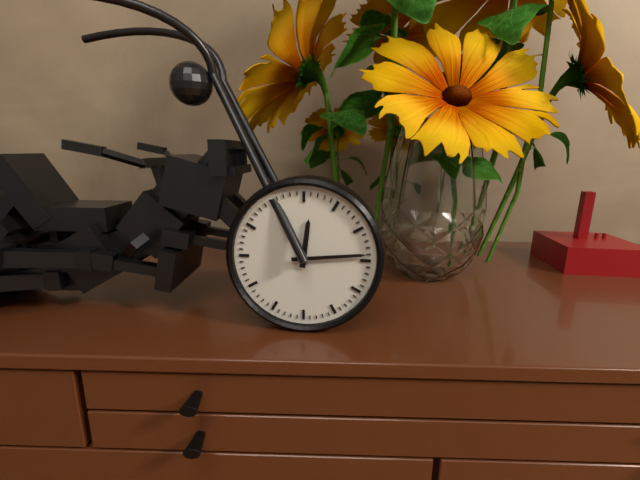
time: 12:14
